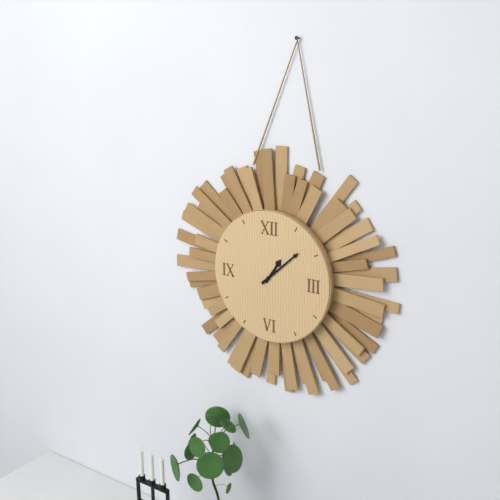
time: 1:08
